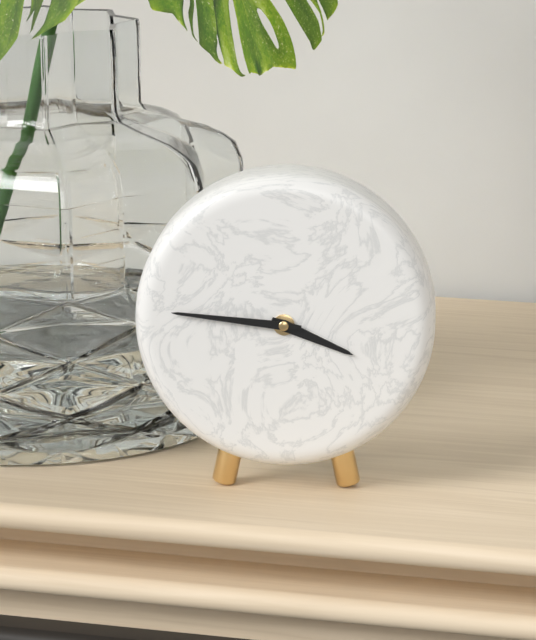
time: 3:46
